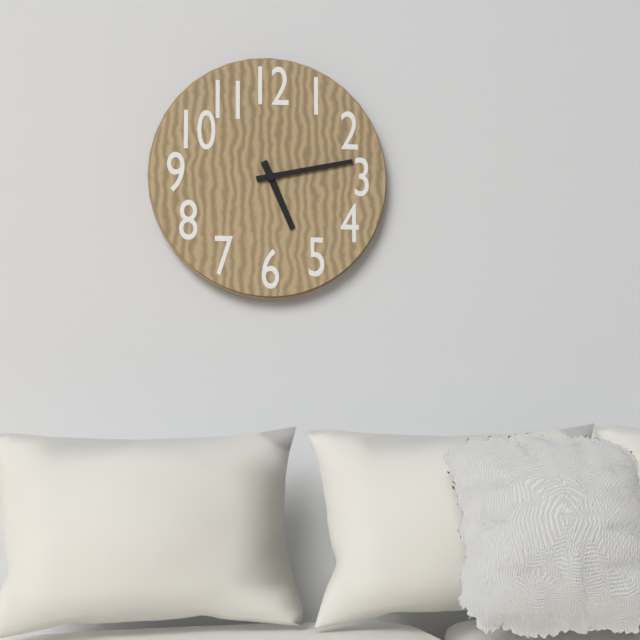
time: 5:13
